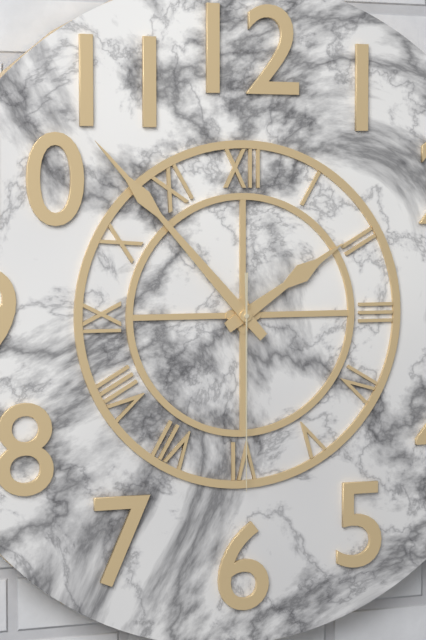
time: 1:53:30
